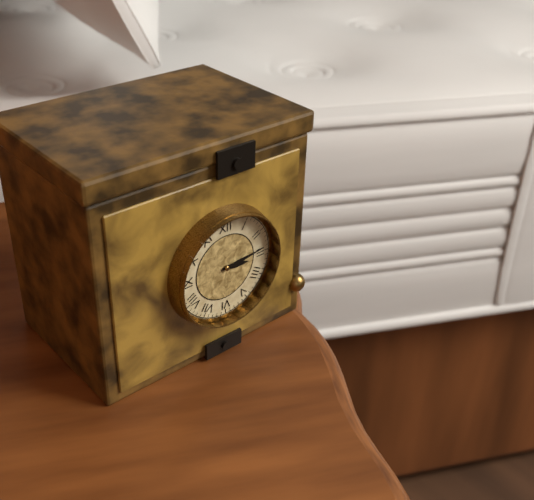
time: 3:14
